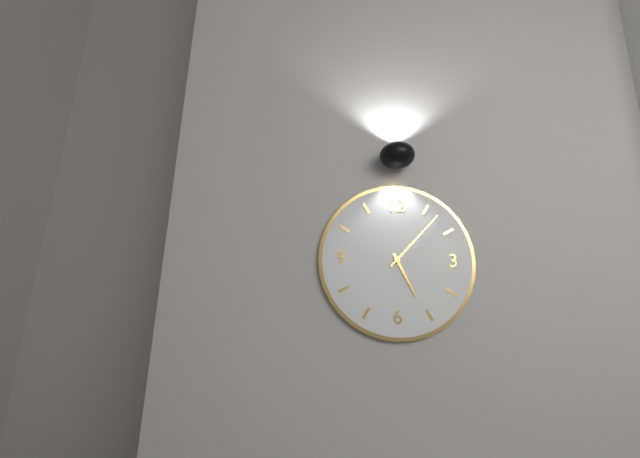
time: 5:07
